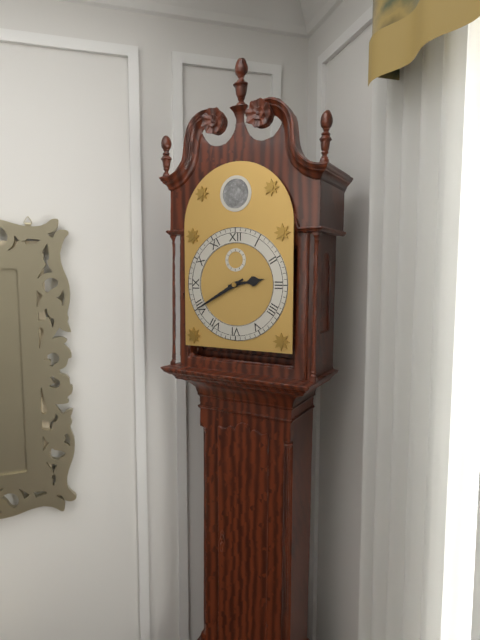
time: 2:40
